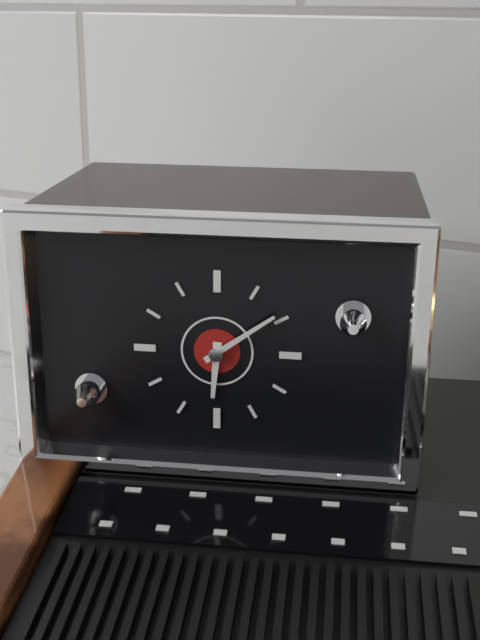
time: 6:09
